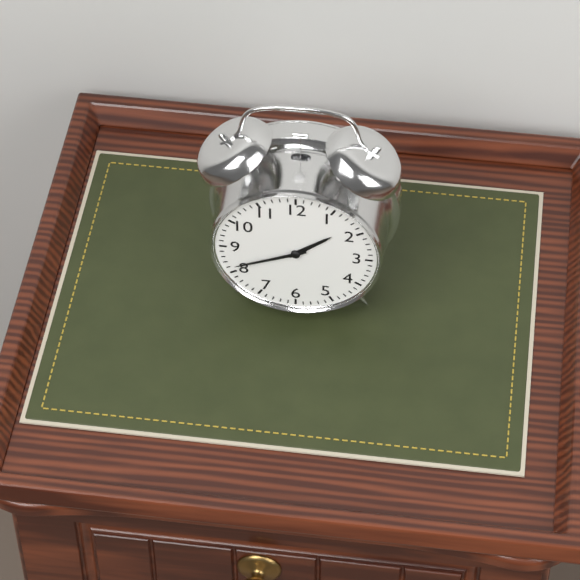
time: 1:41
